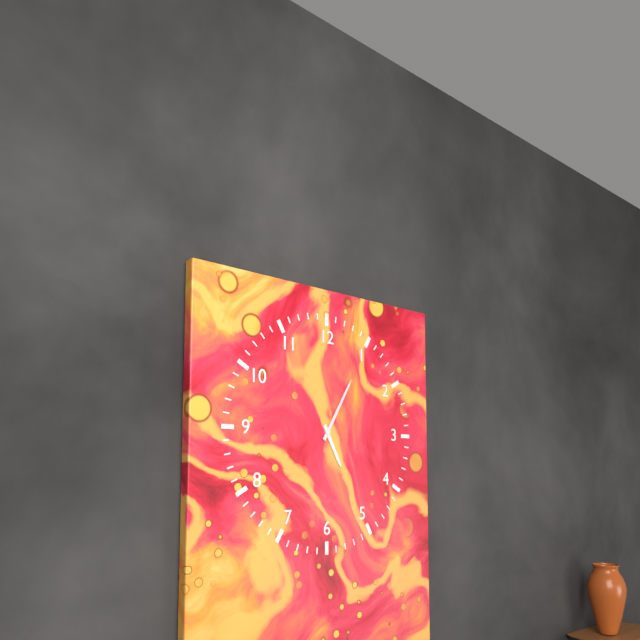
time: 5:05
